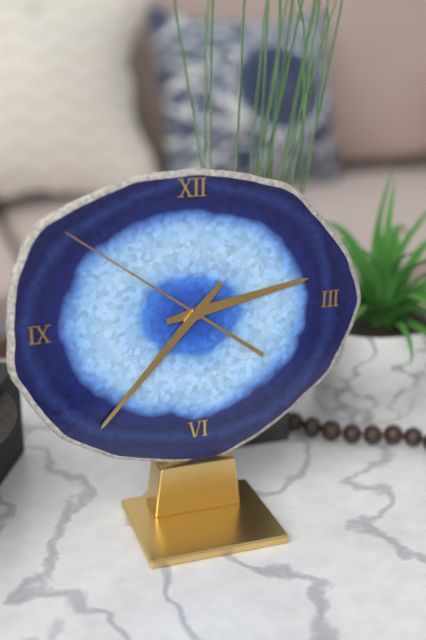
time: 2:37:51
